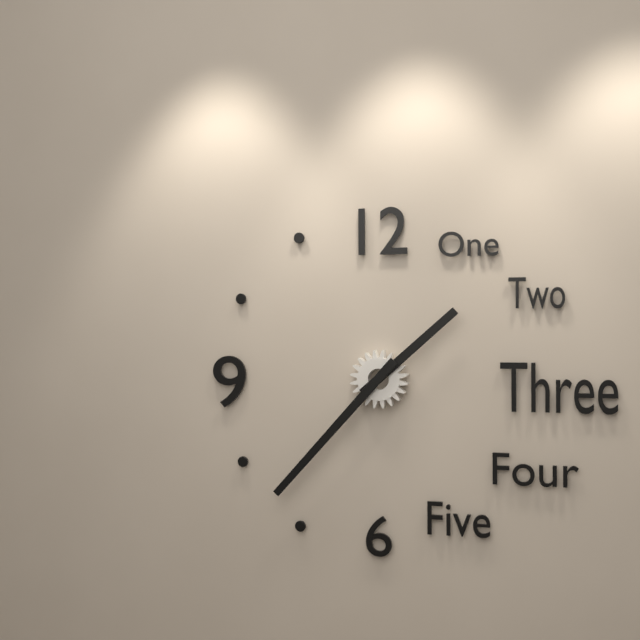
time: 1:37
